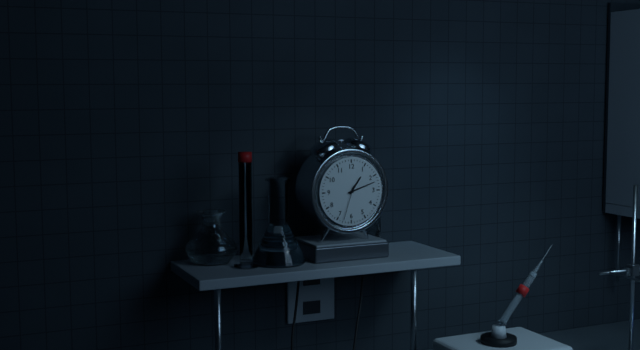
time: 1:12
